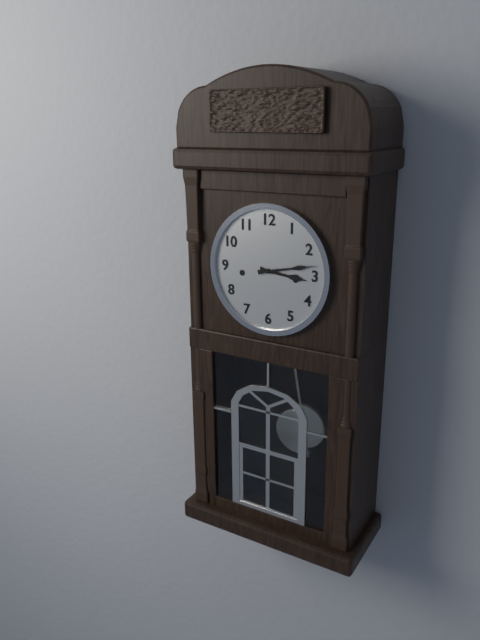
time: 3:13
